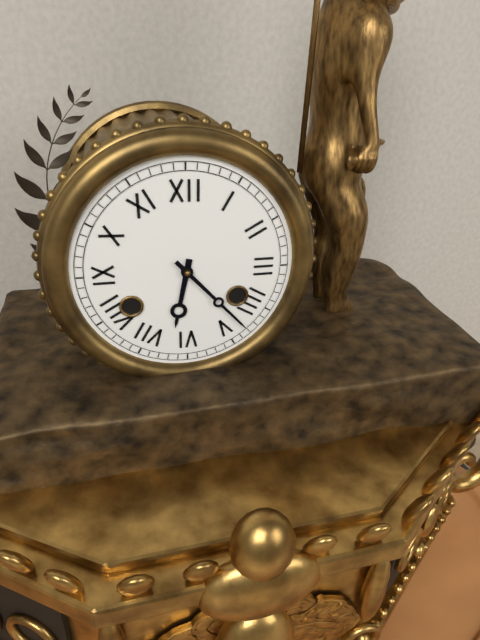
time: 6:23
